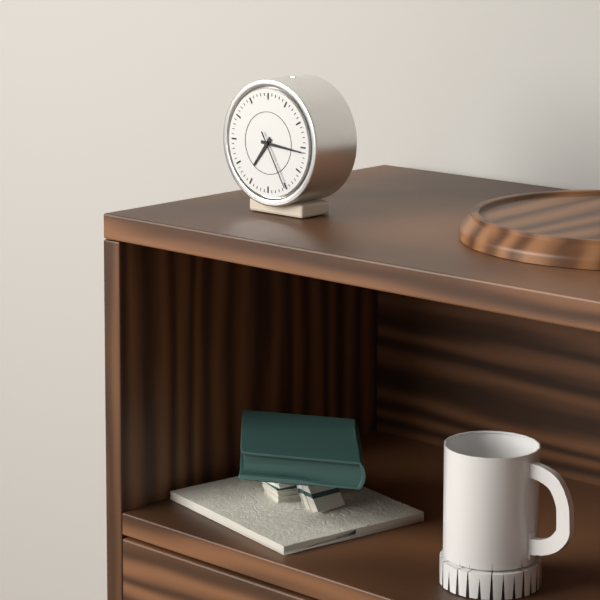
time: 7:16:25
